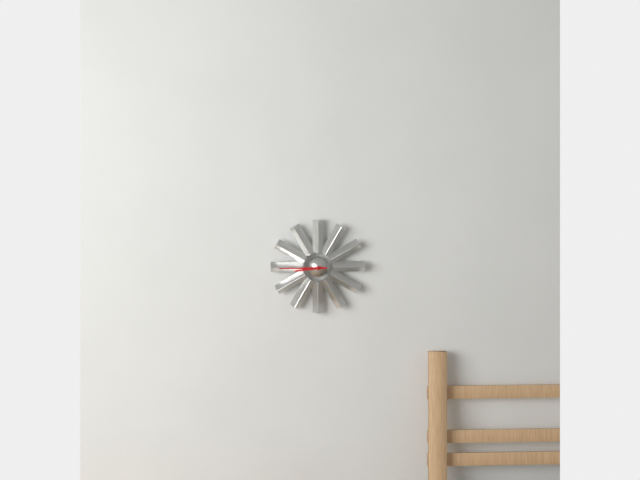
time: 8:45
